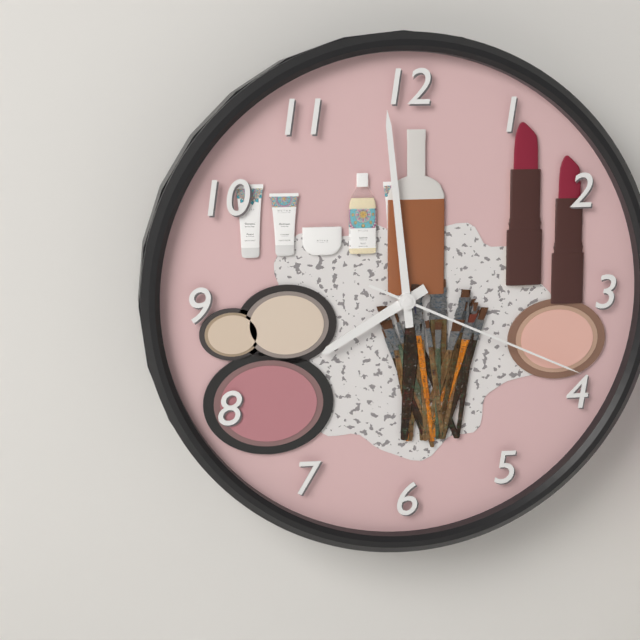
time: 7:59:19
